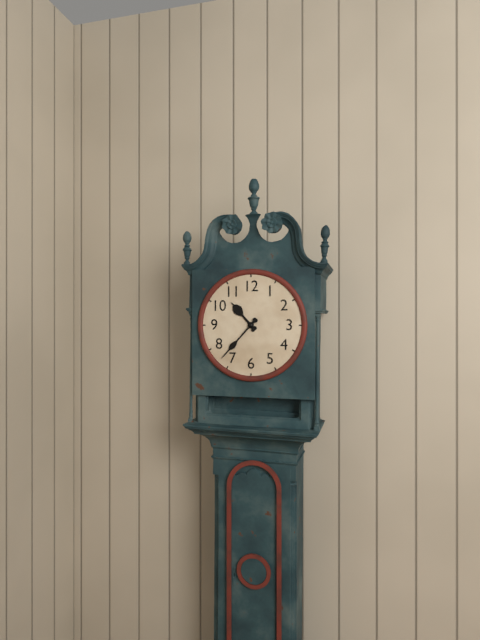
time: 10:37
